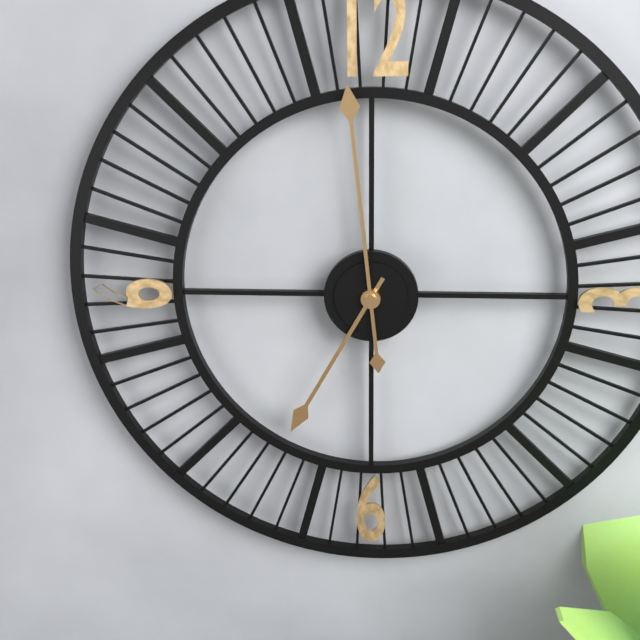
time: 6:59
